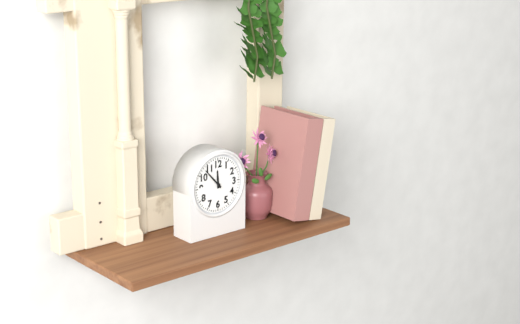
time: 11:53
